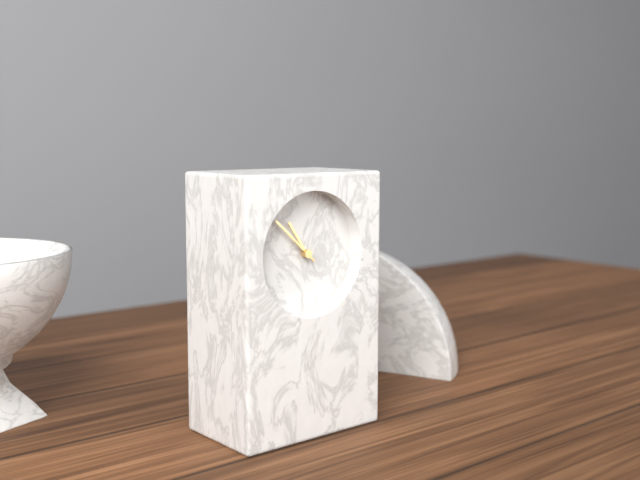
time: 10:52
